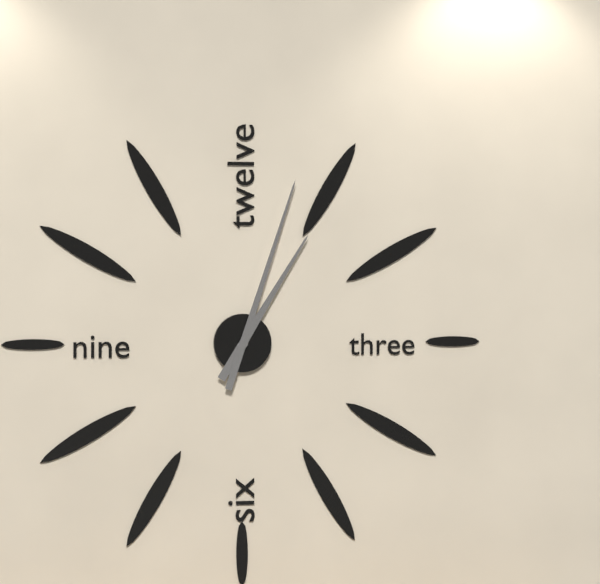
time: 1:03
